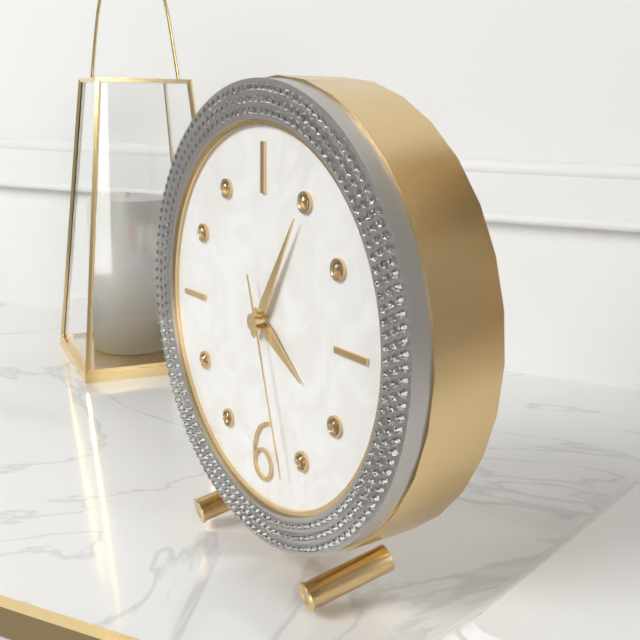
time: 4:05:27
